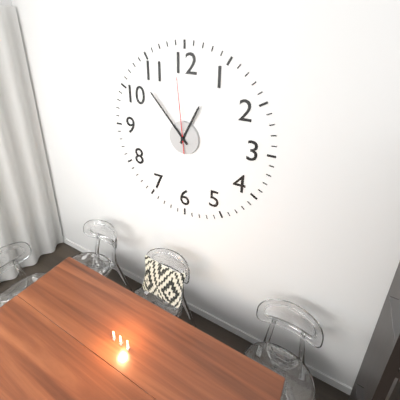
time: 12:53:59
